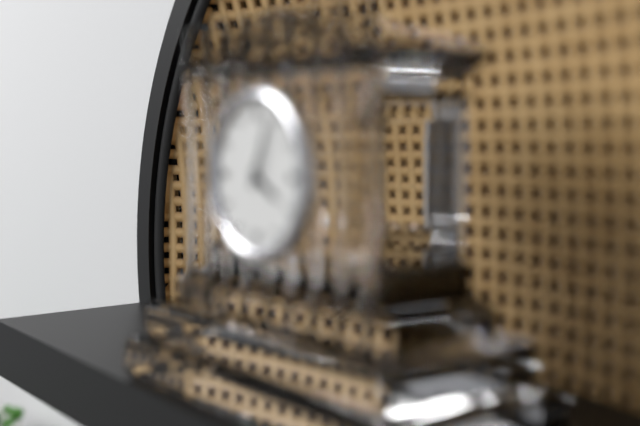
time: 4:04
